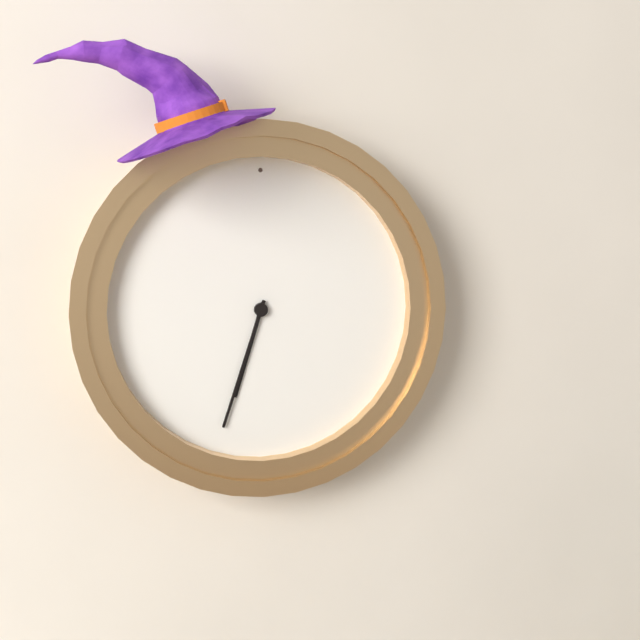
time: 6:33
